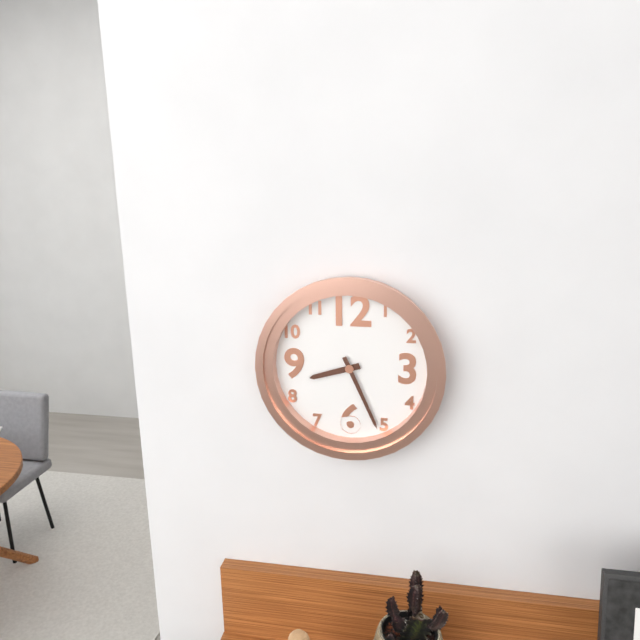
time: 8:26
